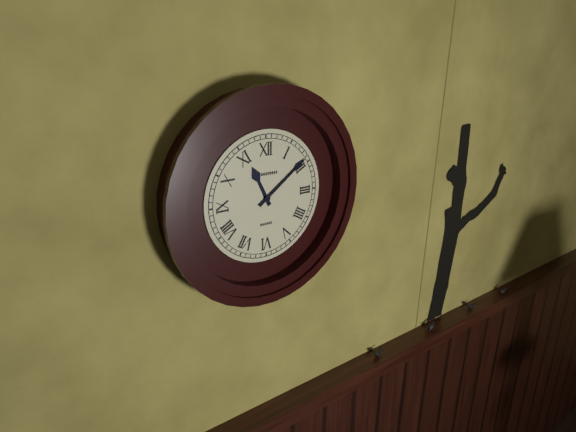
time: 11:09
